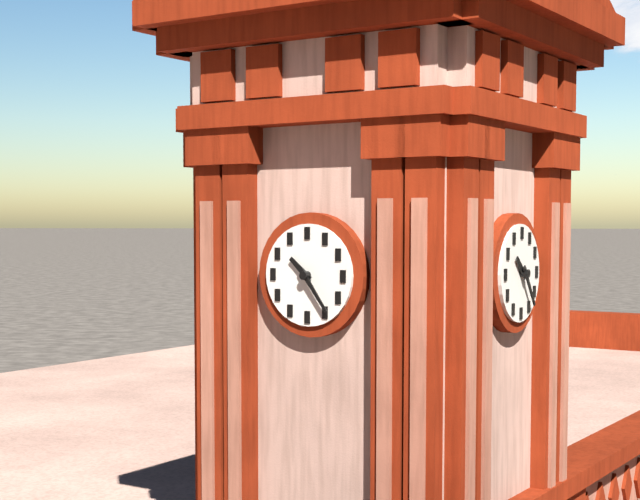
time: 10:24
